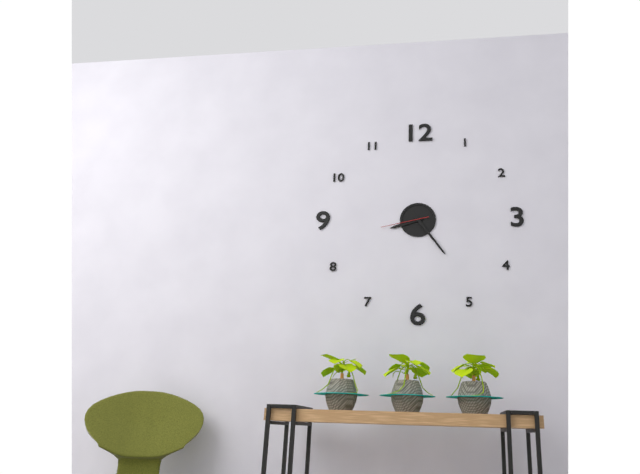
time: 8:24
